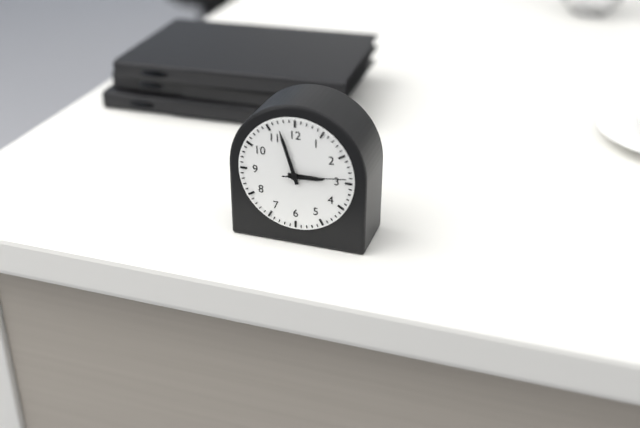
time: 2:57:14
